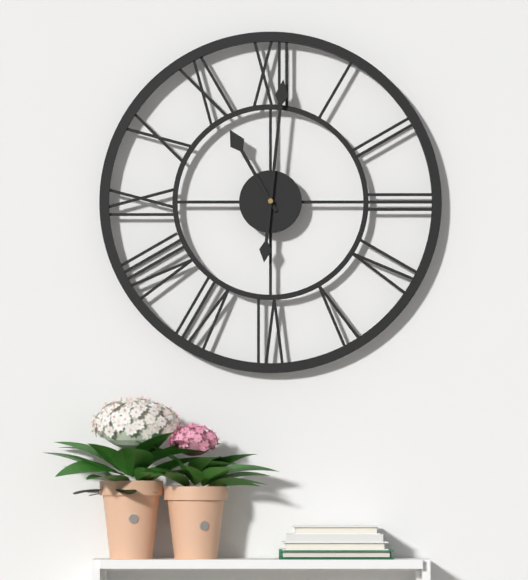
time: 11:01
